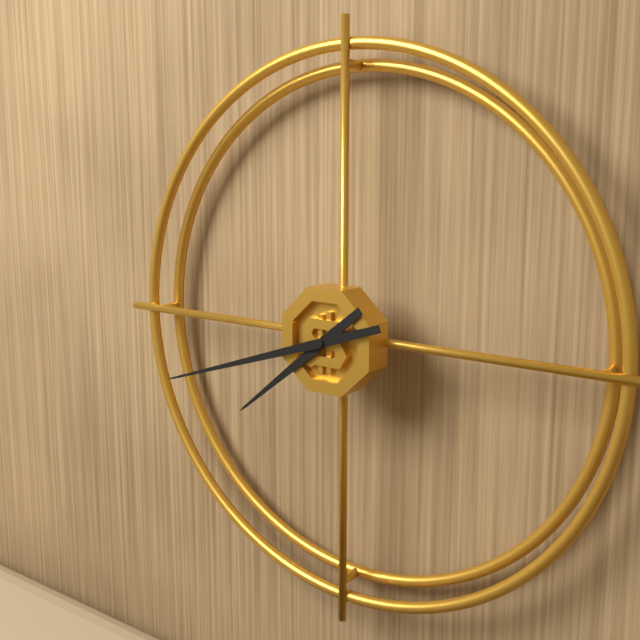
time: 7:42
